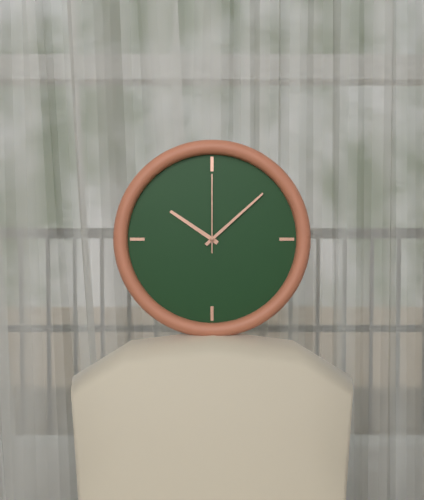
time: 10:08:00
